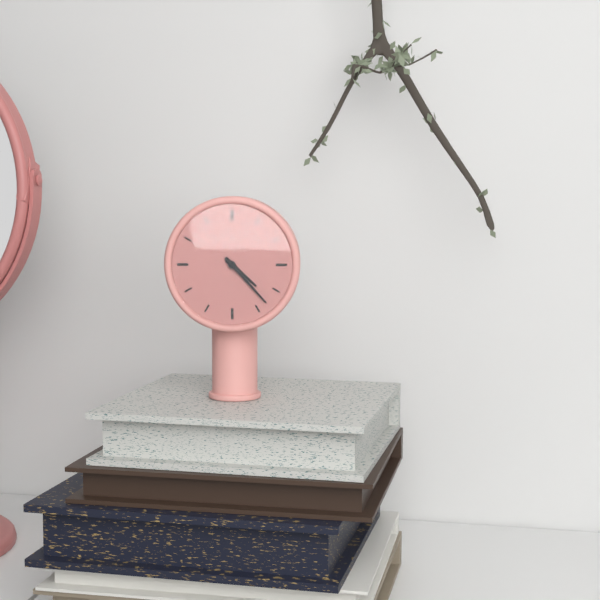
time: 4:23
